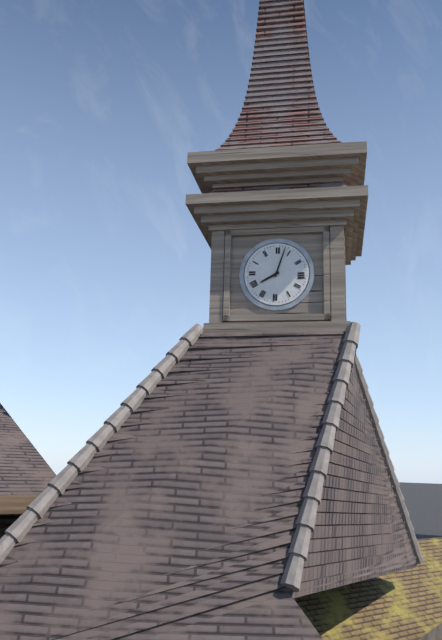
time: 8:03
